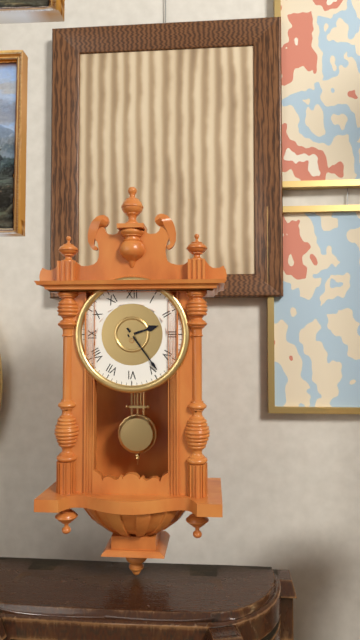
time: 2:24
